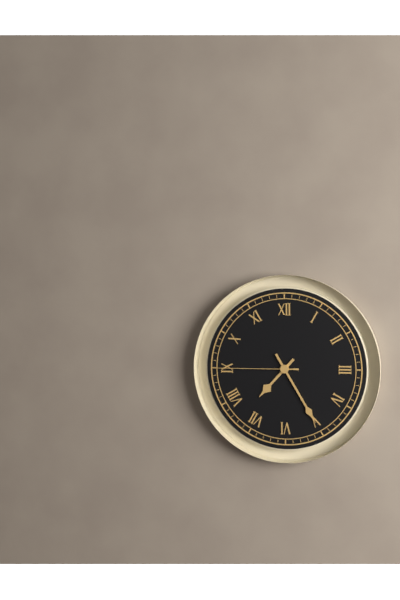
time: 7:25:45
